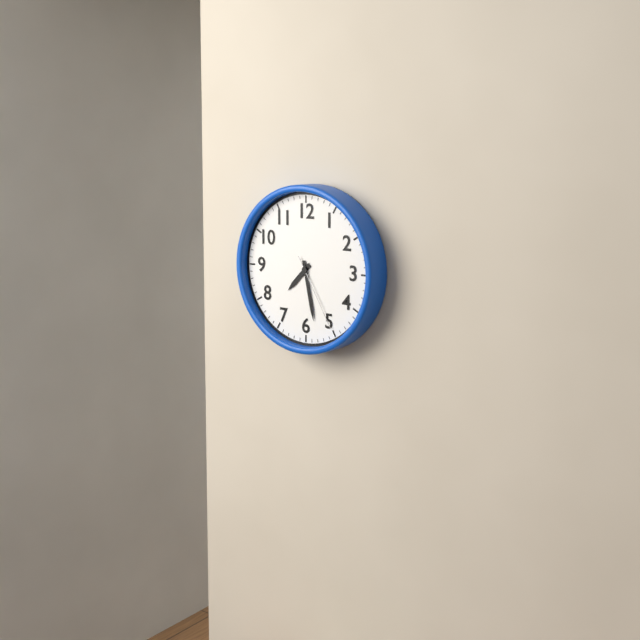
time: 7:28:25
